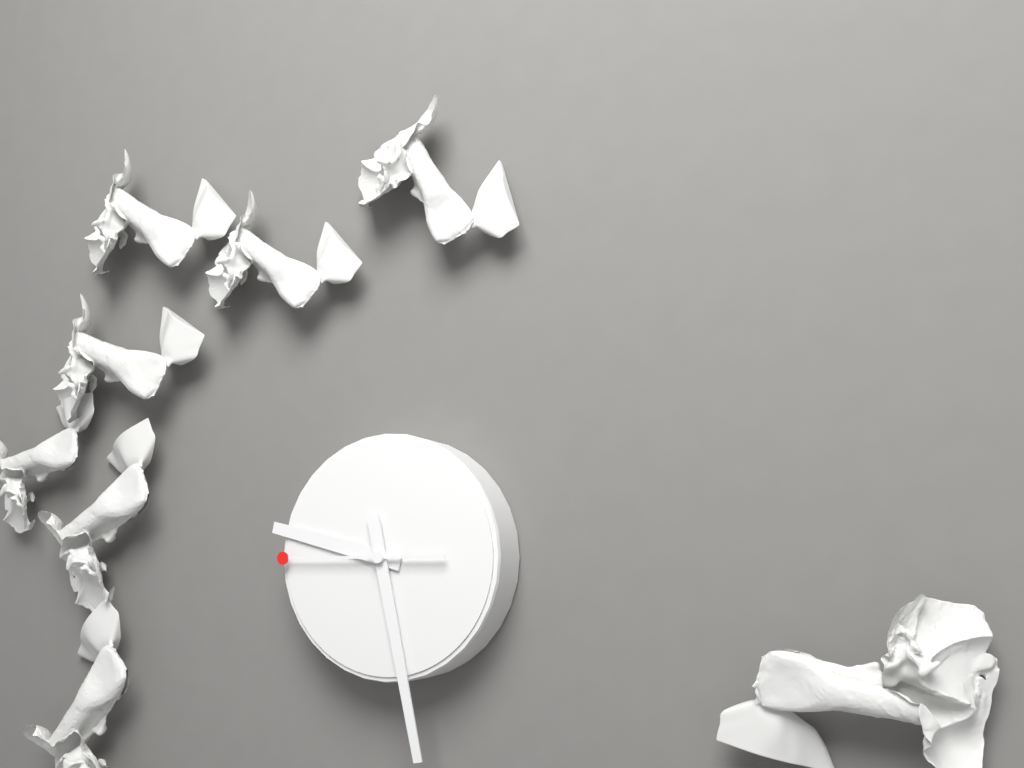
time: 9:28:45
